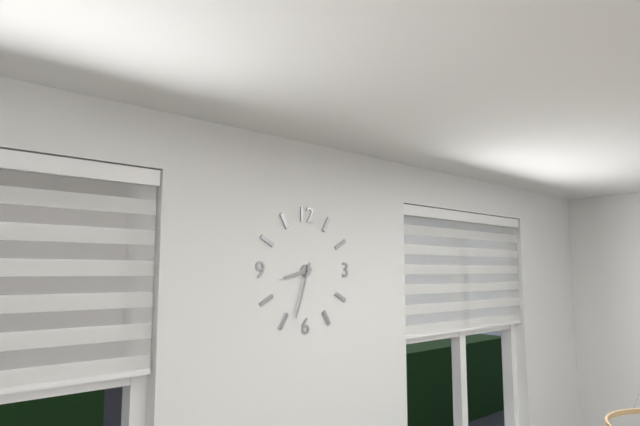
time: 8:33
